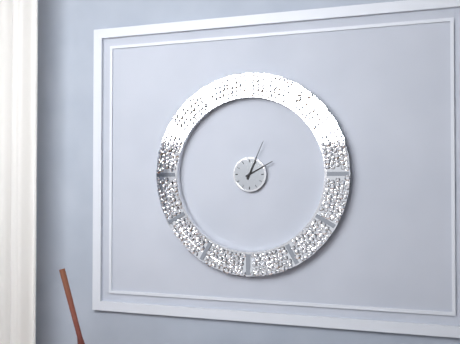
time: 2:04
